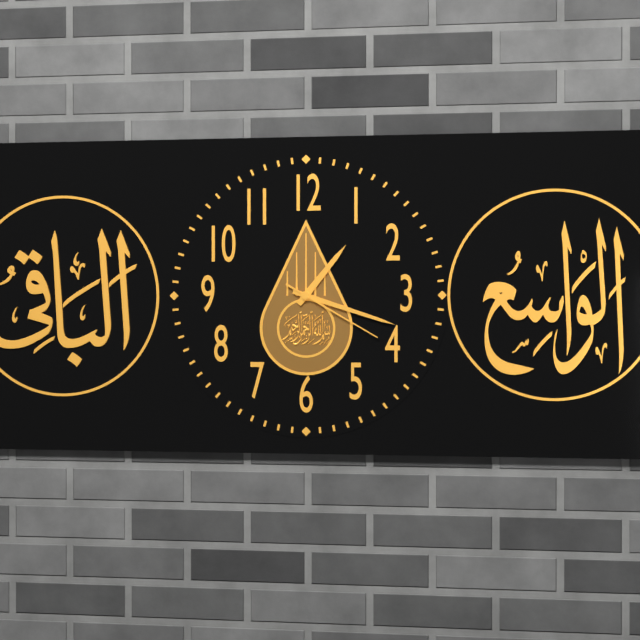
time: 1:18:20
